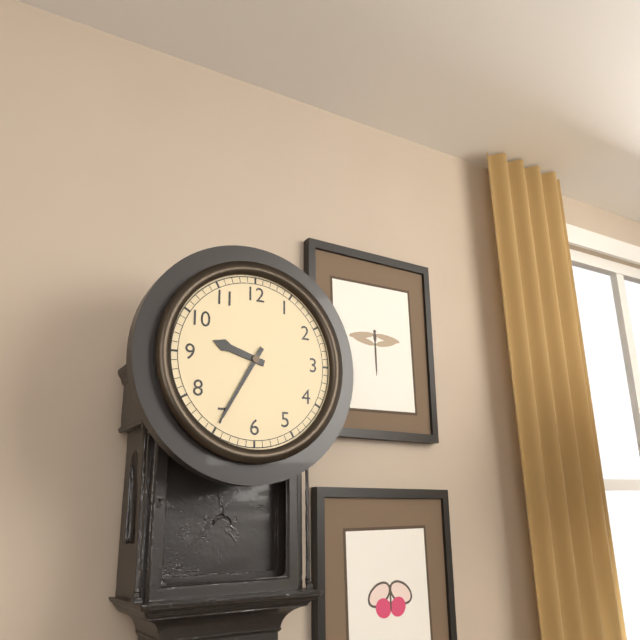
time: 9:35
